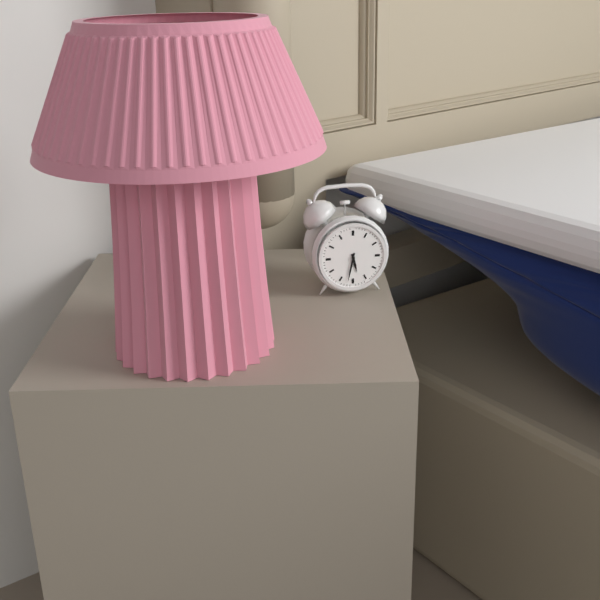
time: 5:32
